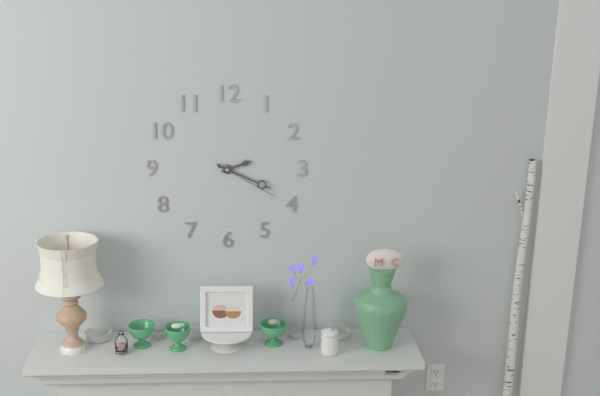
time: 2:19:20
